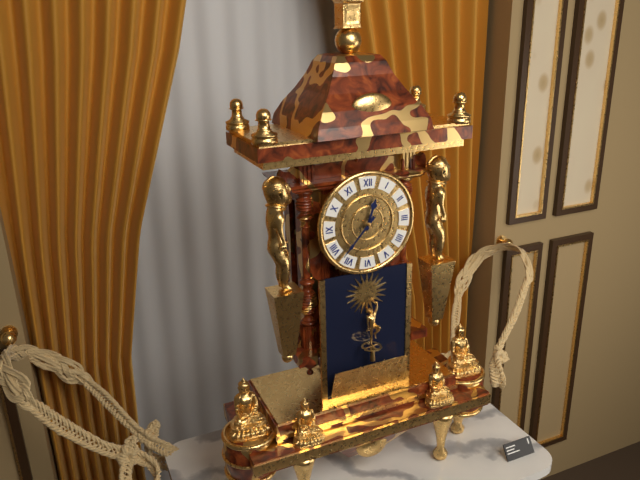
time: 12:37
